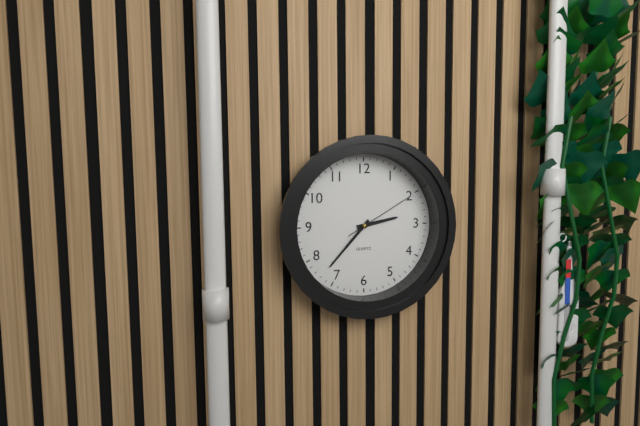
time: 2:37:10
